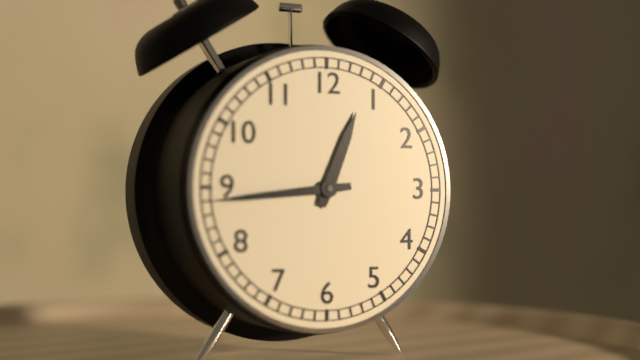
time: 12:44
